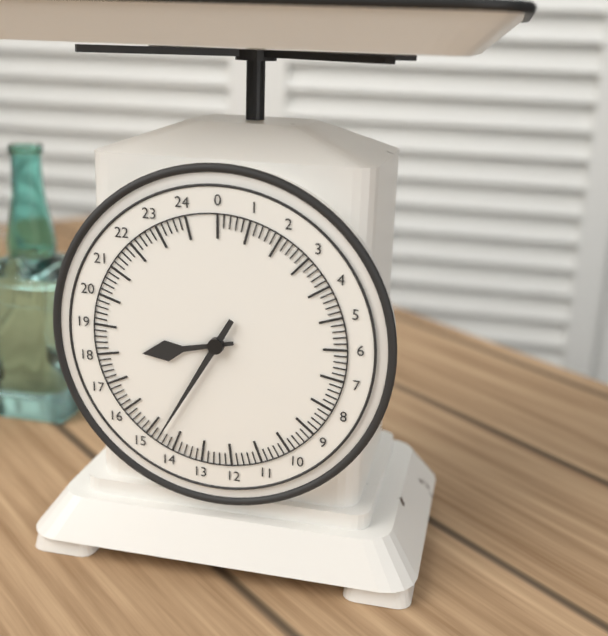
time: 8:35
